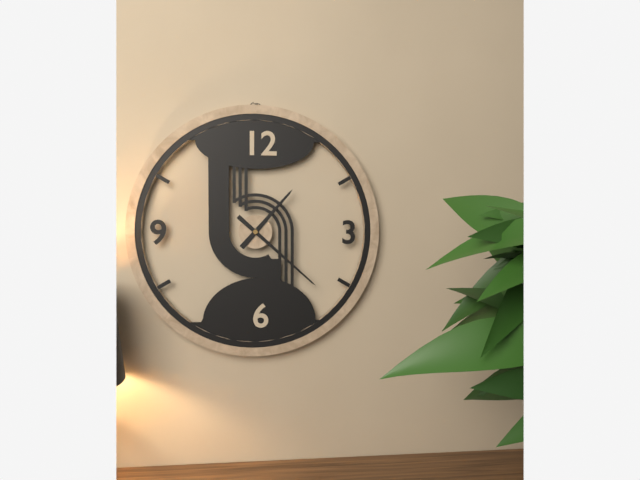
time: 1:22
